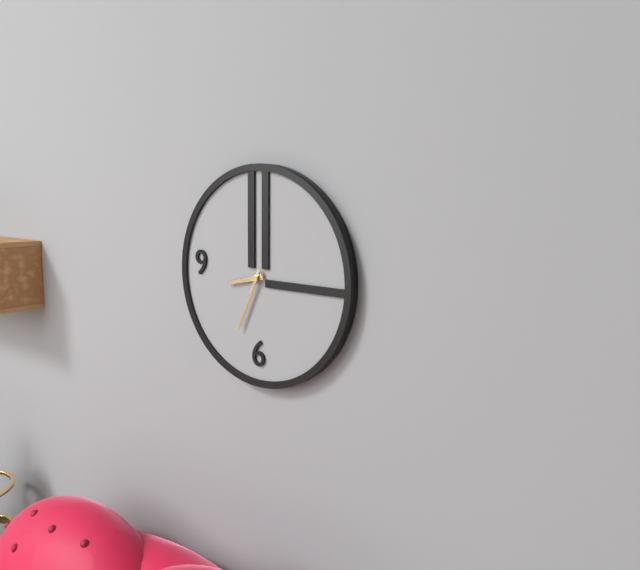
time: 8:34
